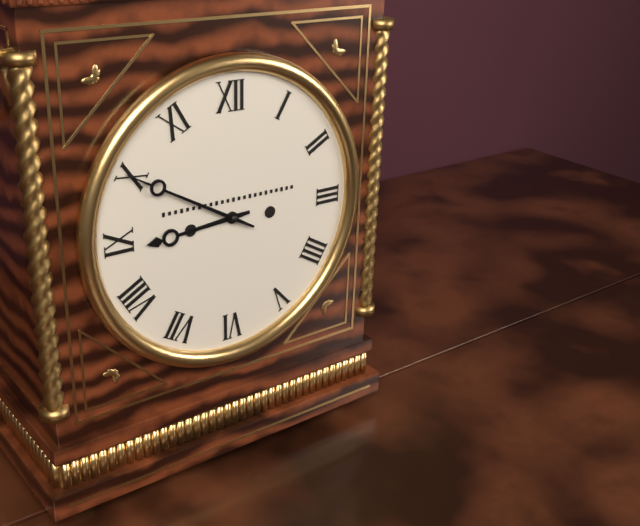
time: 8:50
